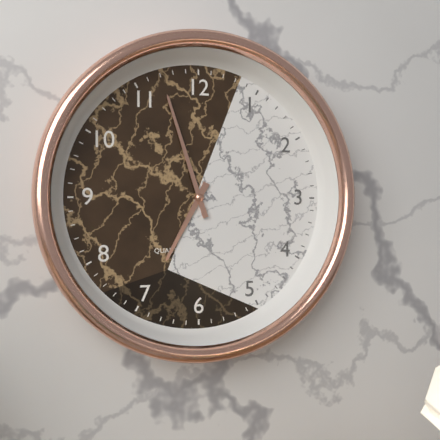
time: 6:57
